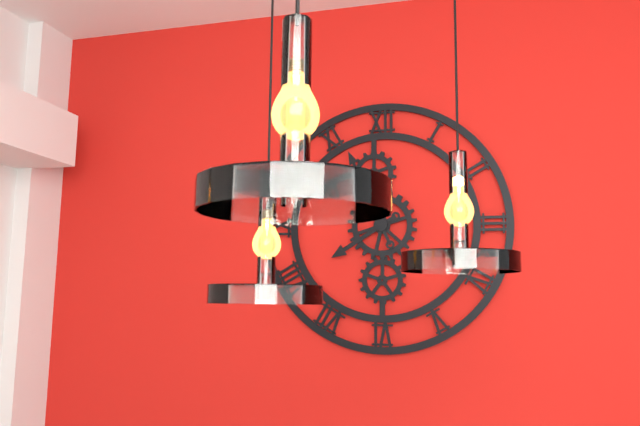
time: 7:56
